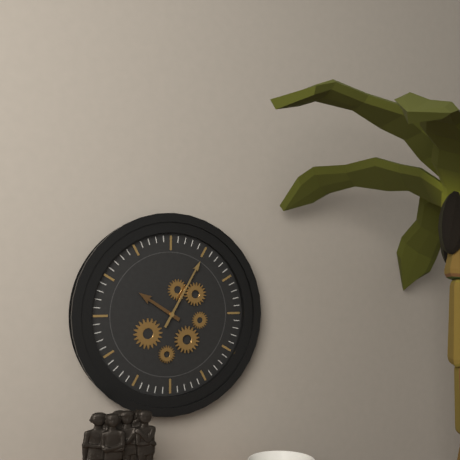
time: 10:05
